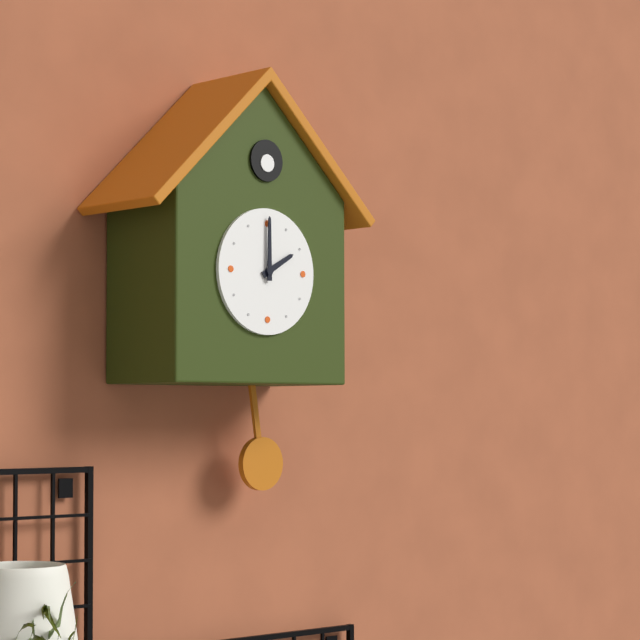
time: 2:00
